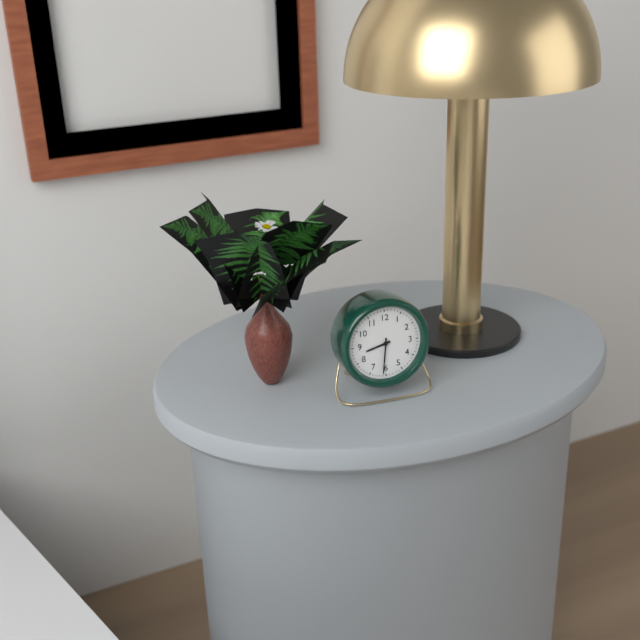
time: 8:31
